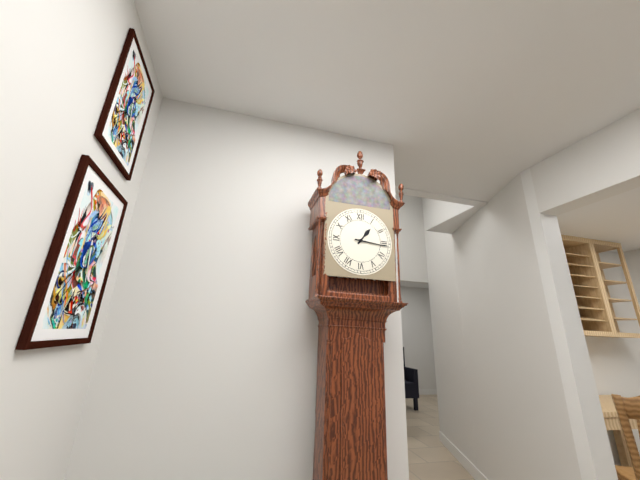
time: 1:16
